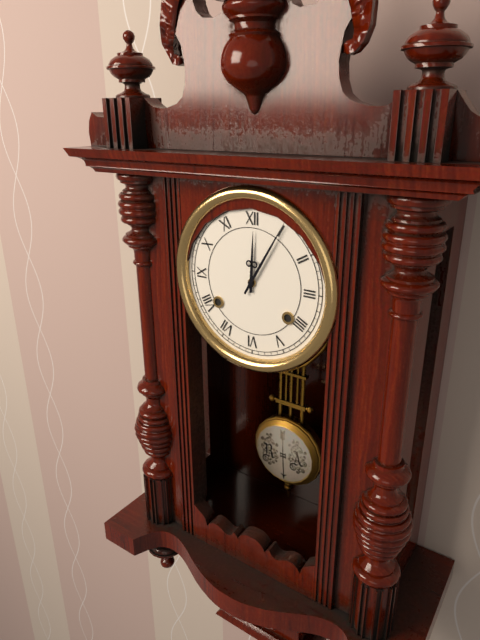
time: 12:05
